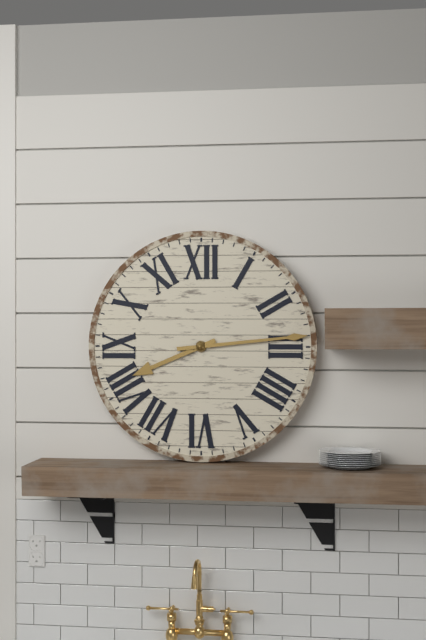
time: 8:14
